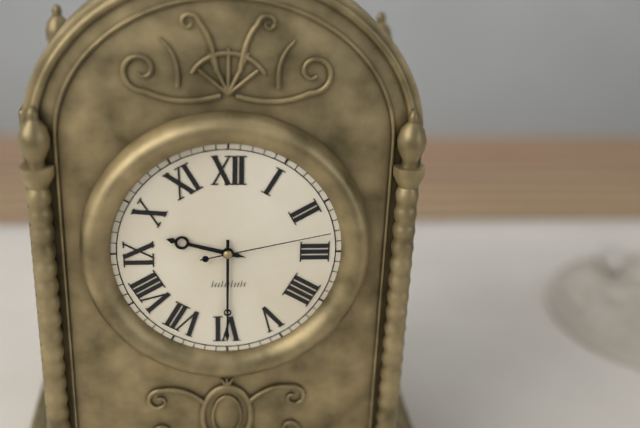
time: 9:30:13
